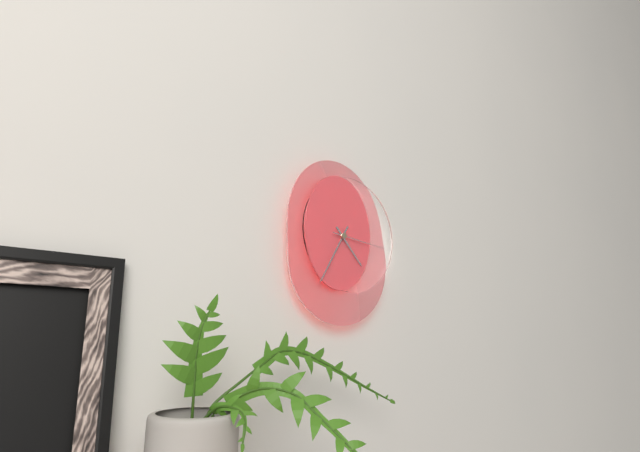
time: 4:35:16
